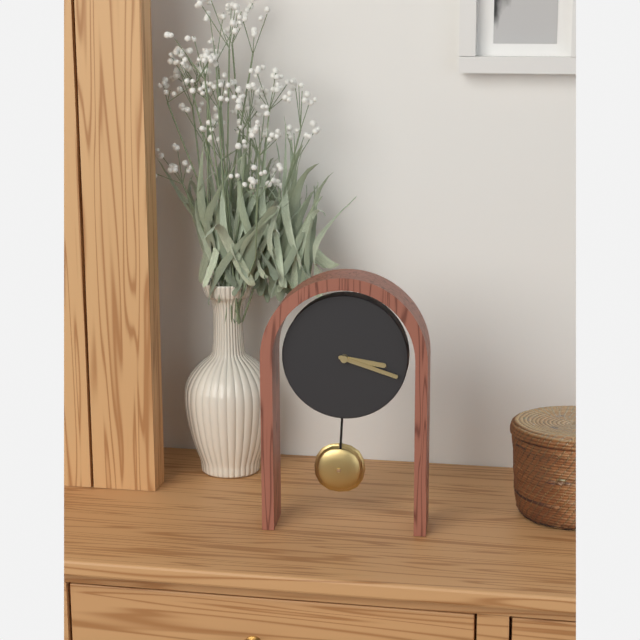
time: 3:18
